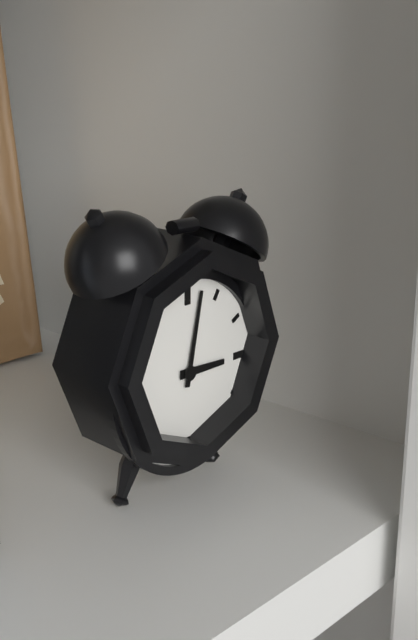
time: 3:02
